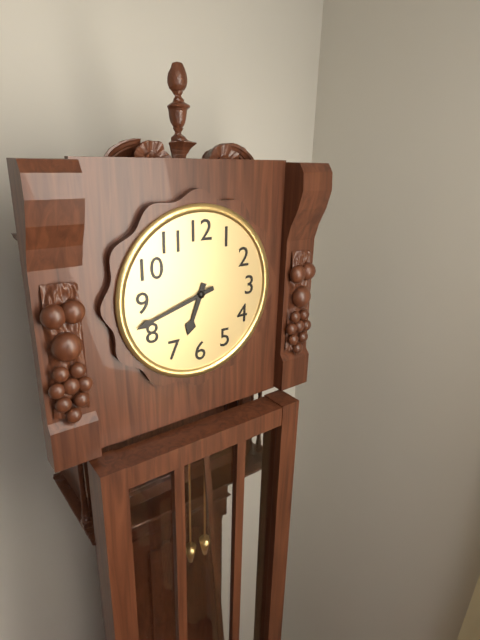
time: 6:42
